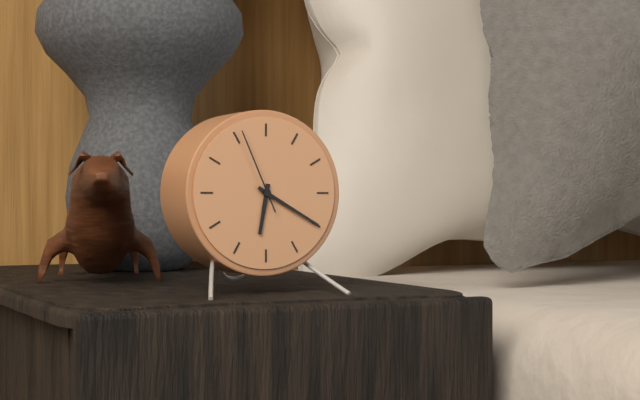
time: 6:20:56
